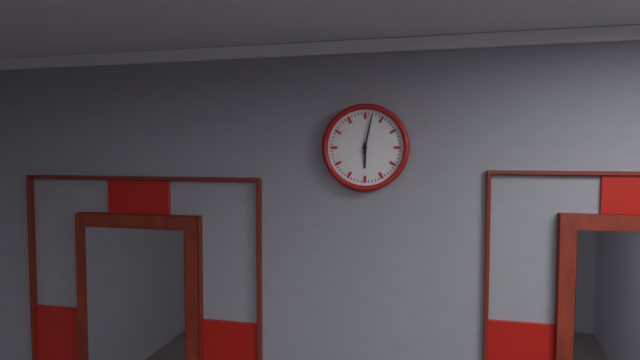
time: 6:02
